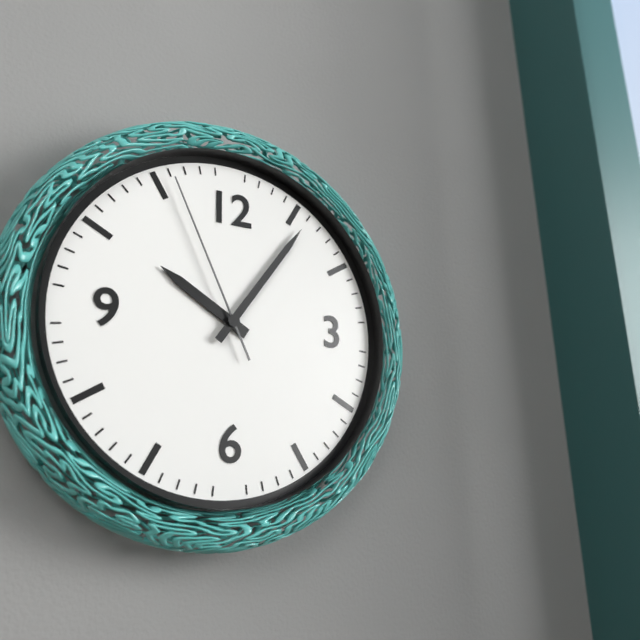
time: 10:06:56
